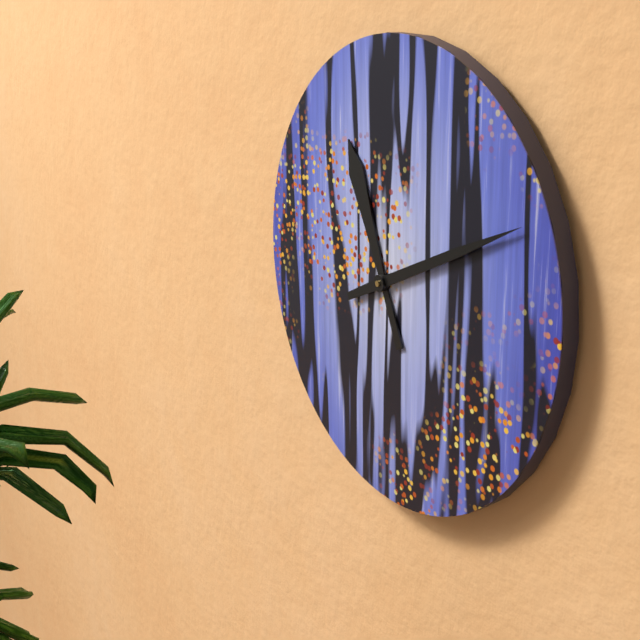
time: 11:11
